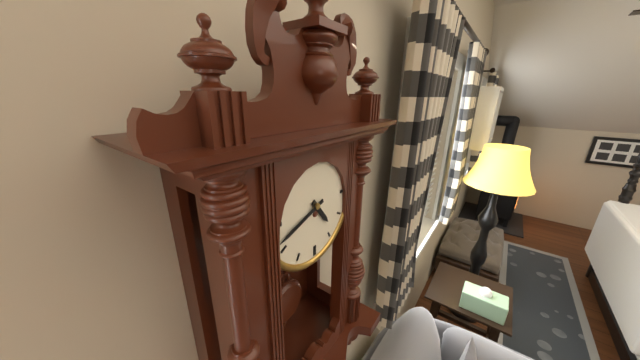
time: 4:42
